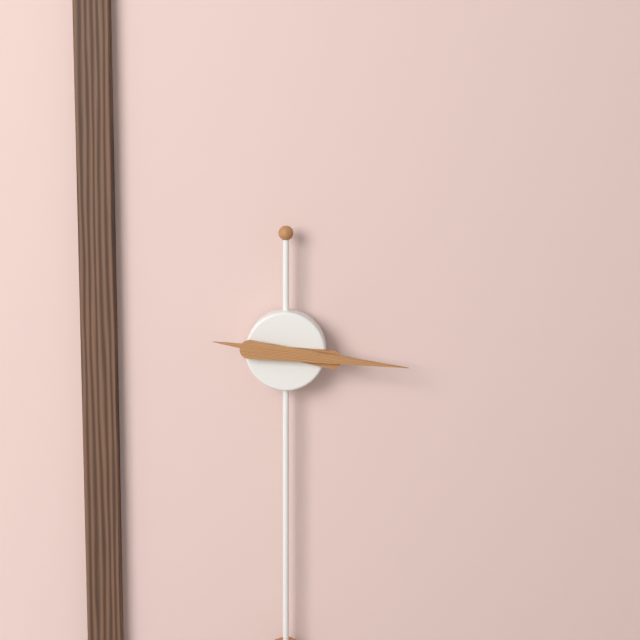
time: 9:16
